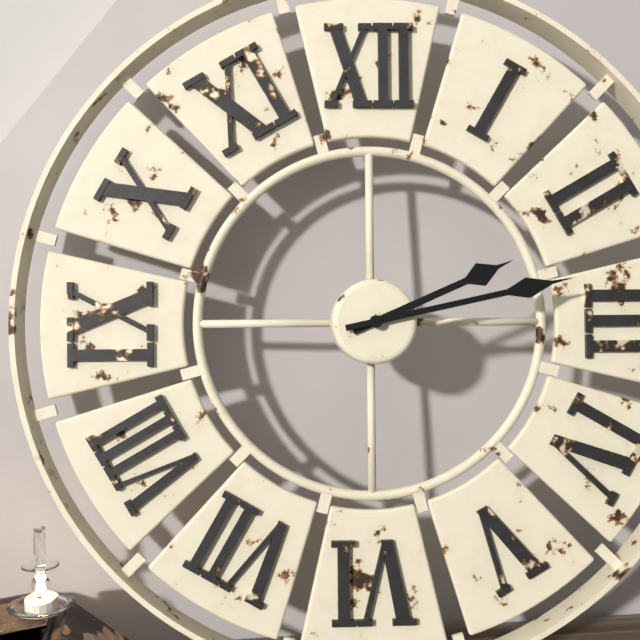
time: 2:13
